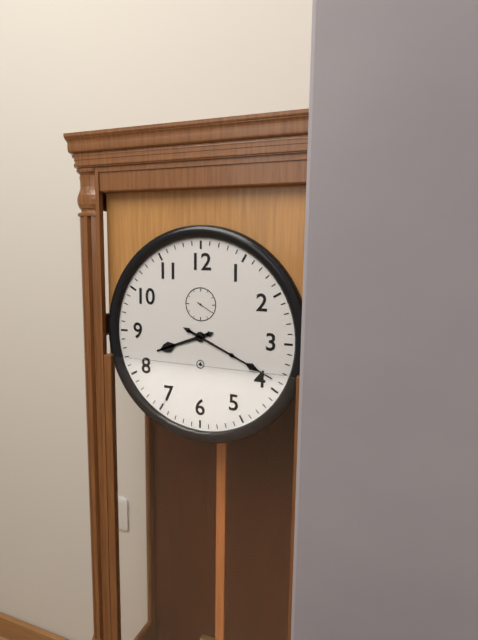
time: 8:19
